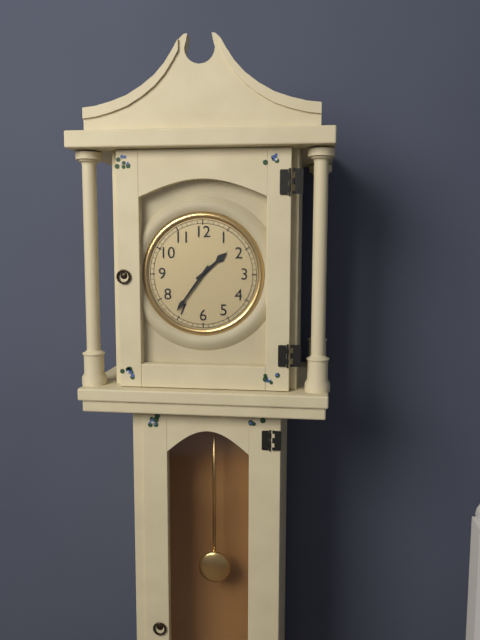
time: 1:36
